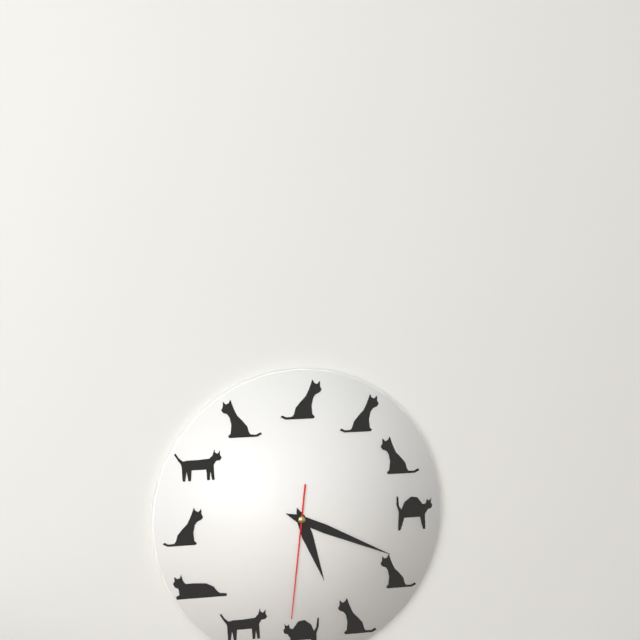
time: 5:19:31
